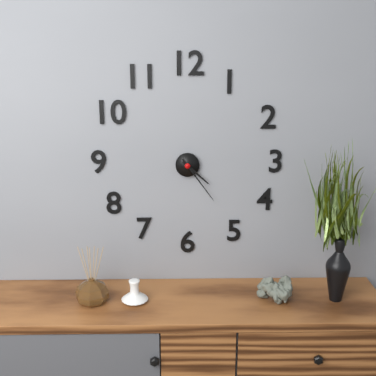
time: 4:24
